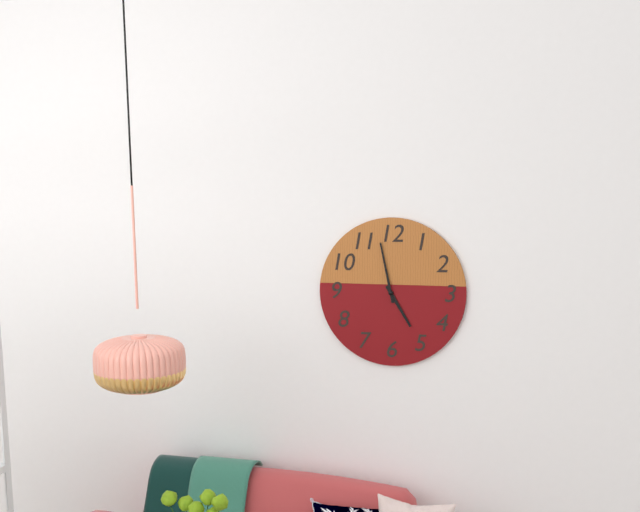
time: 4:58
